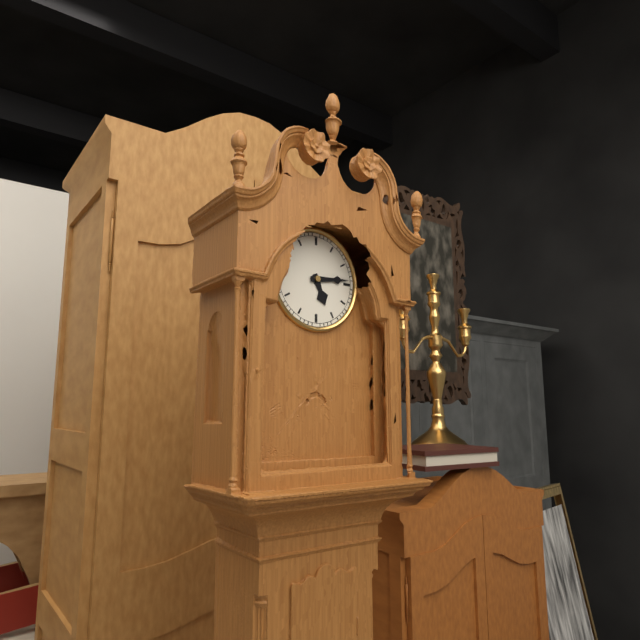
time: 5:14
